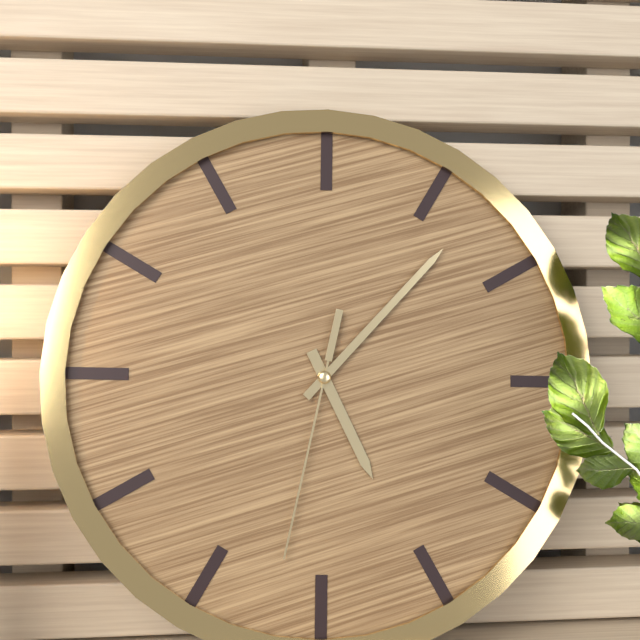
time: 5:07:32
